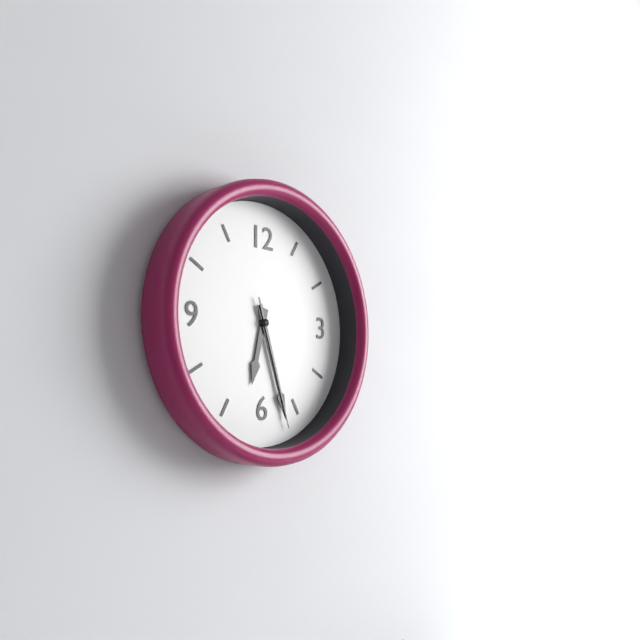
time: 6:27:27
